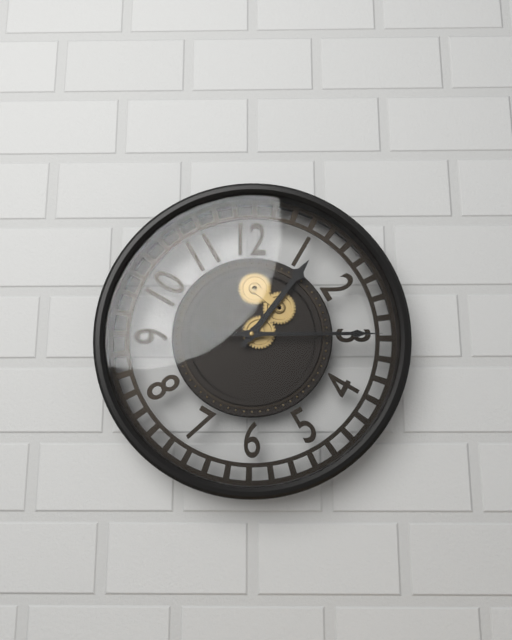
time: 1:15
